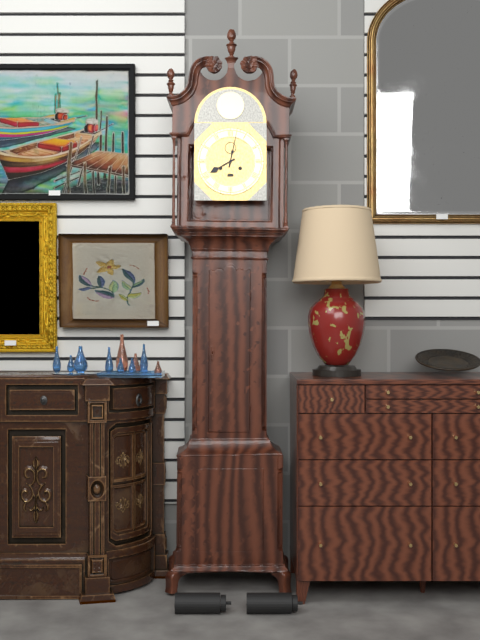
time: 8:02
